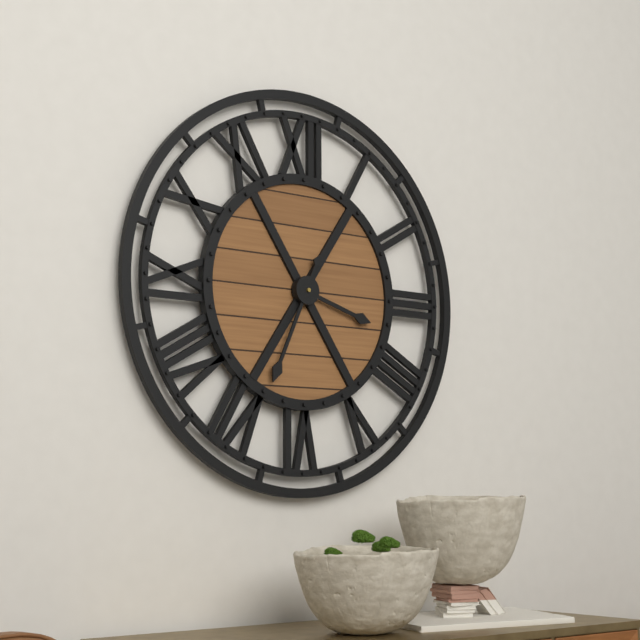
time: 3:34
